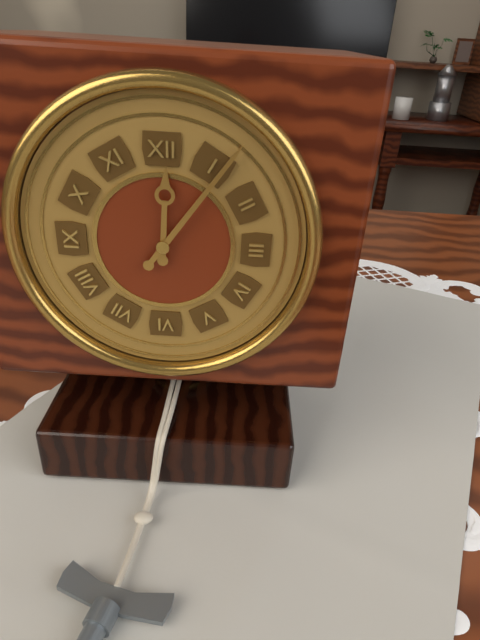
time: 12:06
